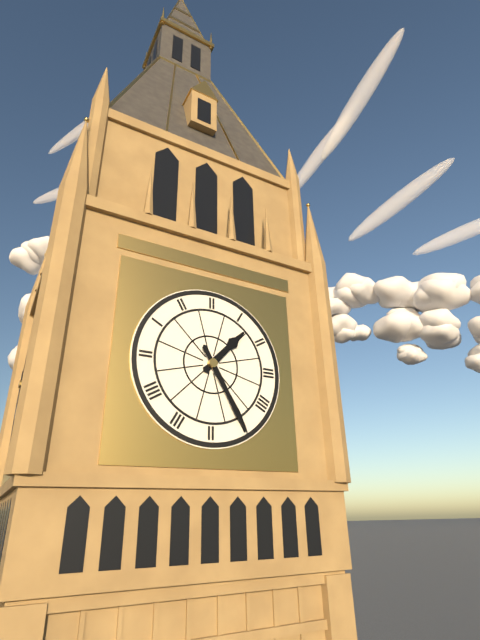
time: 1:25
